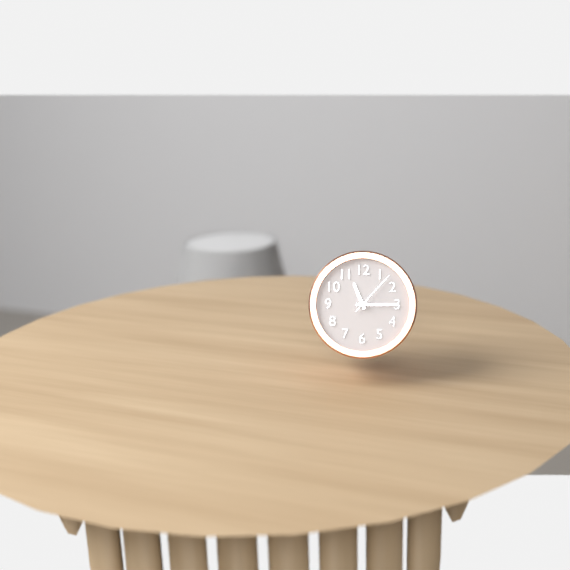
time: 11:15
